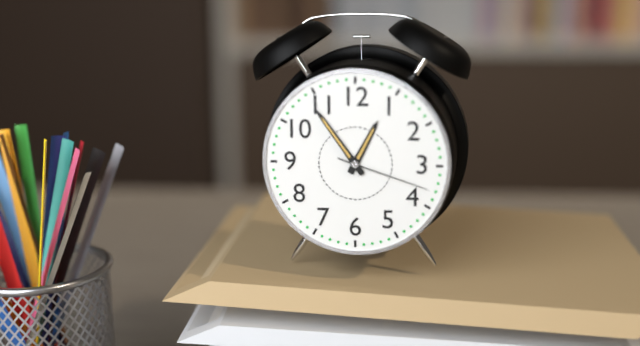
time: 12:54:18
